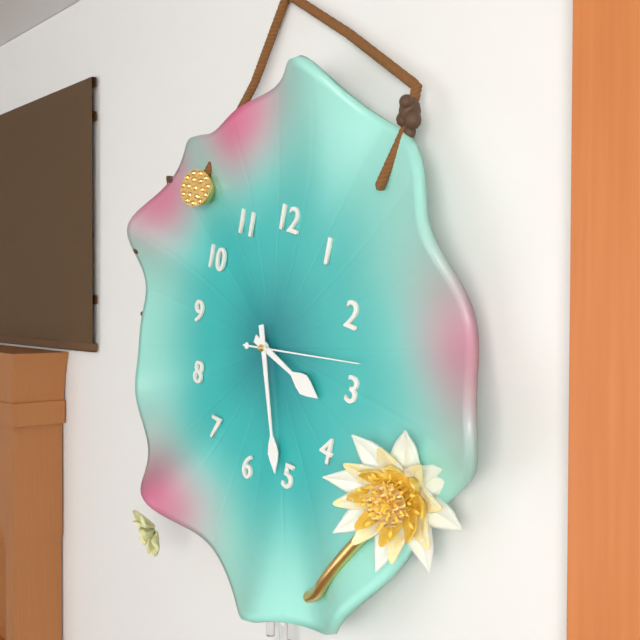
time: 3:26:13
